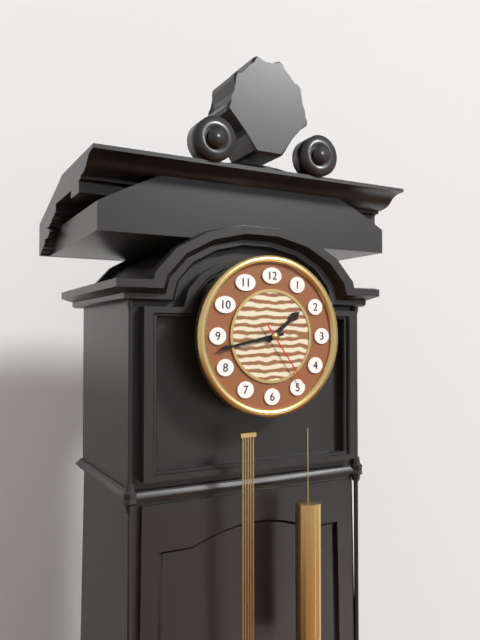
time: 1:43:24
